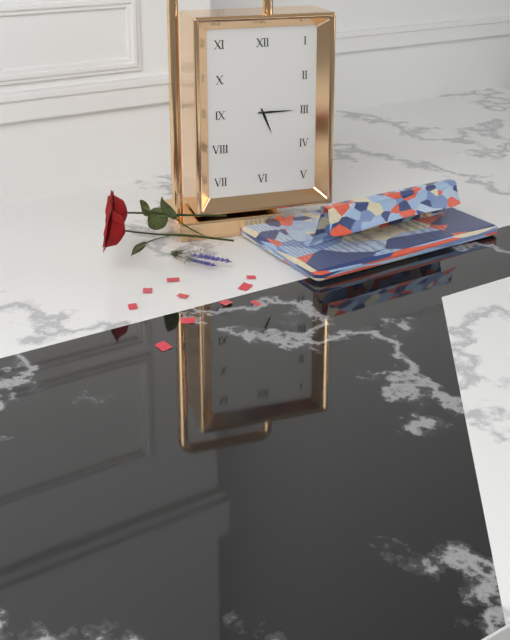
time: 5:15
